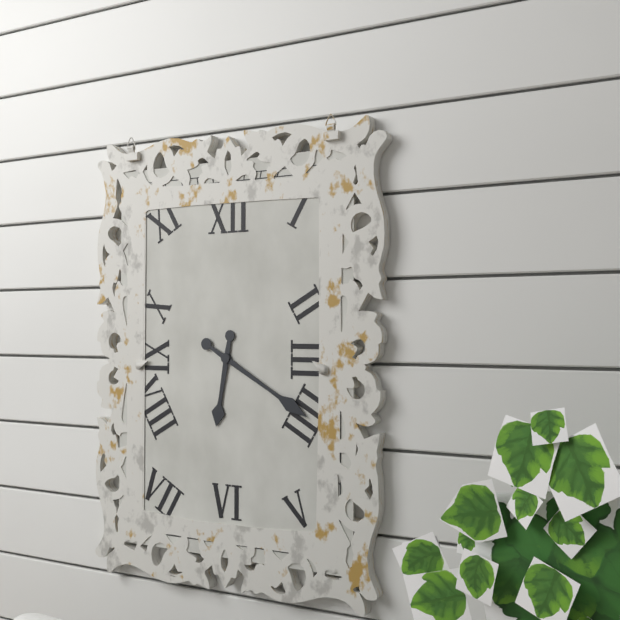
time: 6:20
